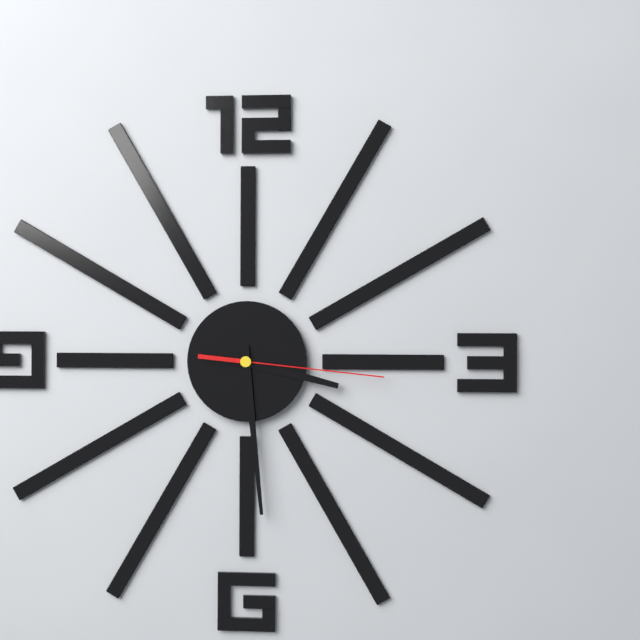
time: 3:29:16
